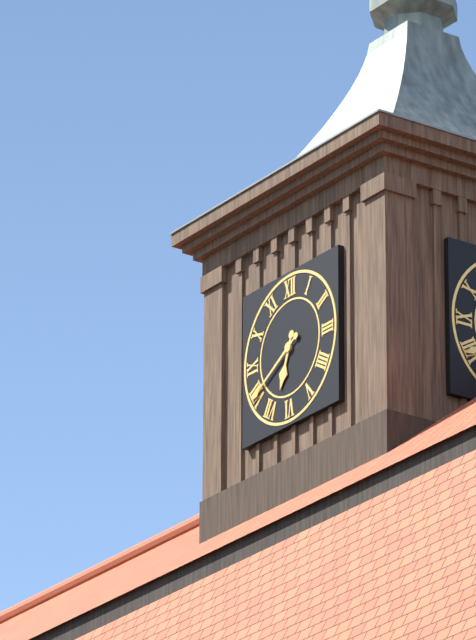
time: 6:40
